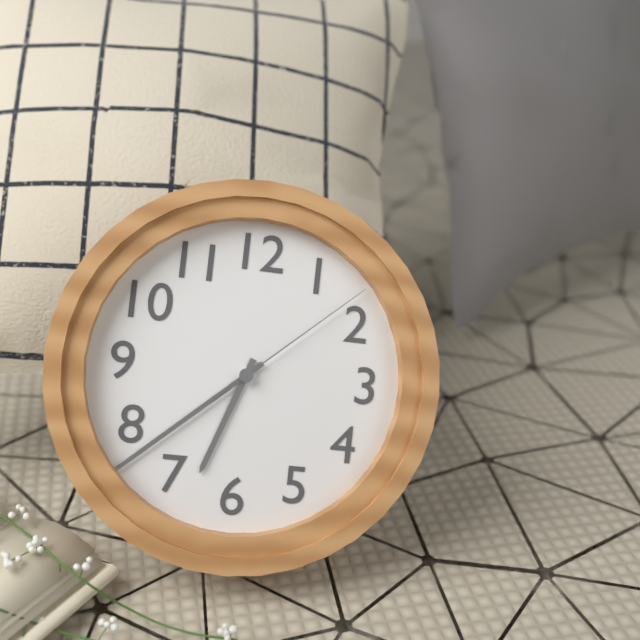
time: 6:38:08
